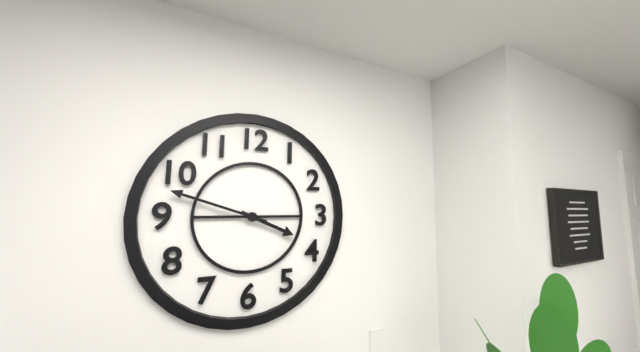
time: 3:48
